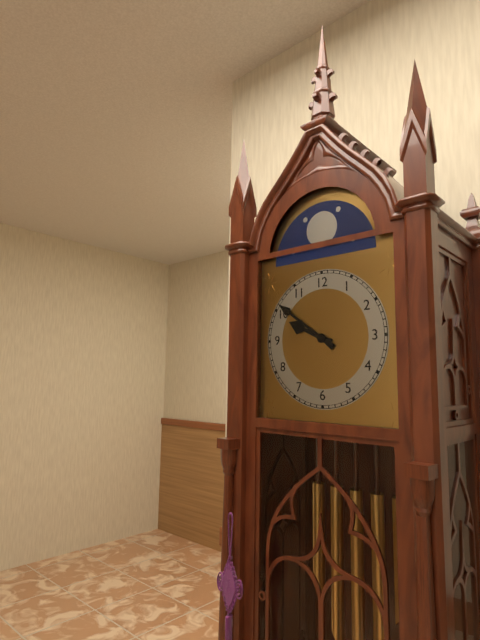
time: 9:51
